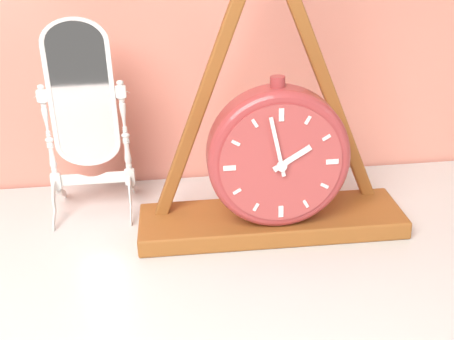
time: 1:58
